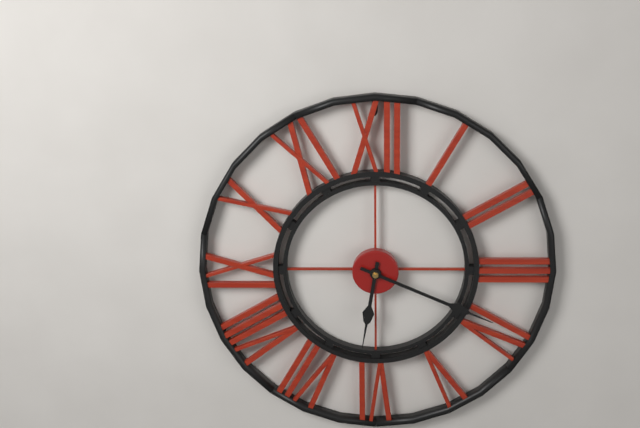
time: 6:19
